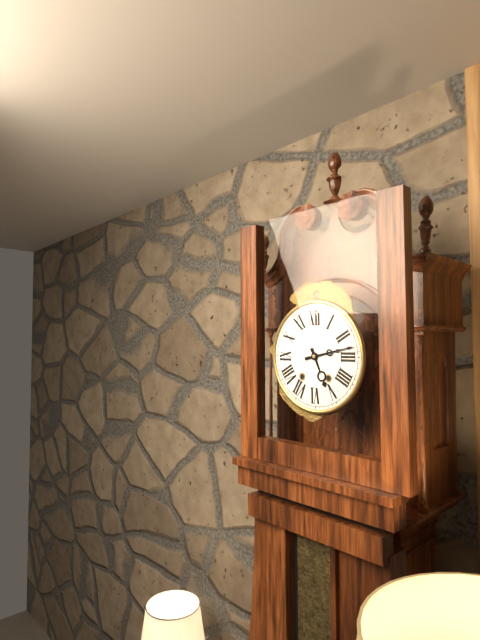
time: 5:13
